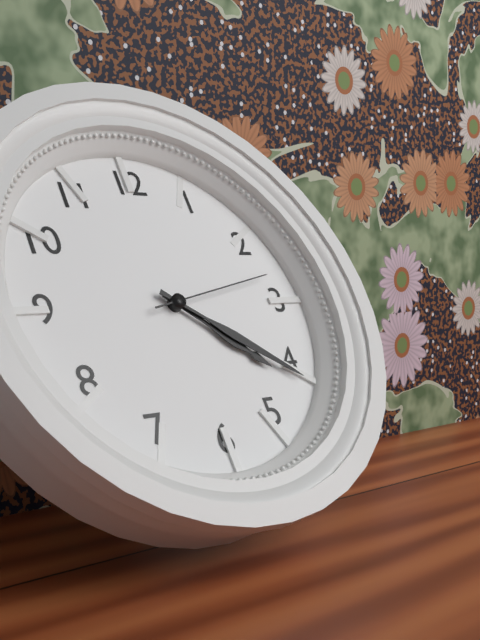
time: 4:21:13
